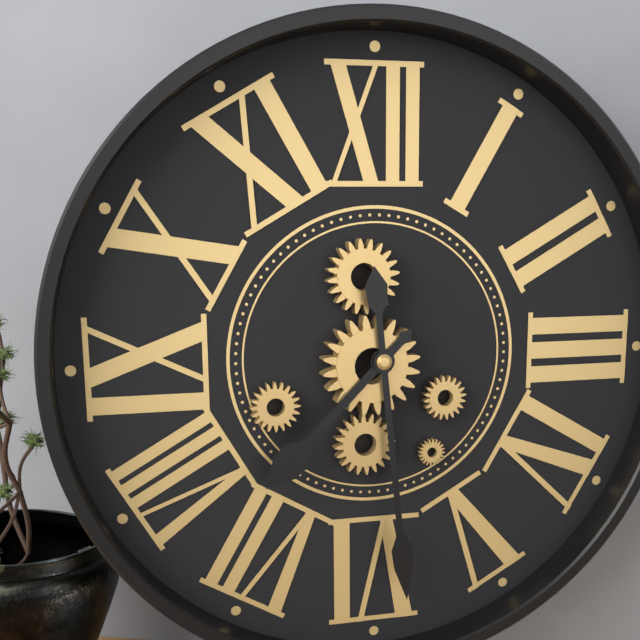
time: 7:29
